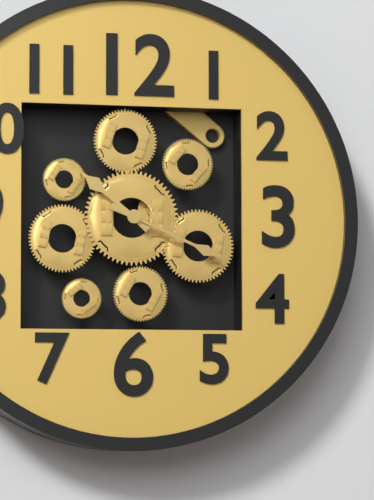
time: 10:19
